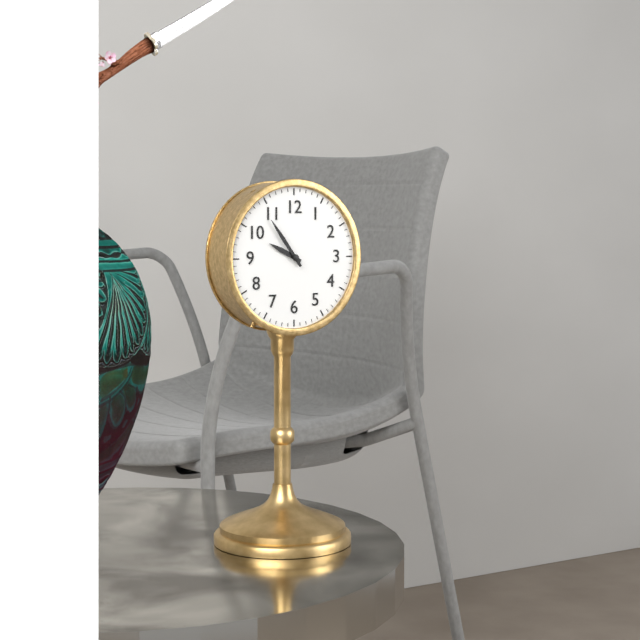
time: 9:54
